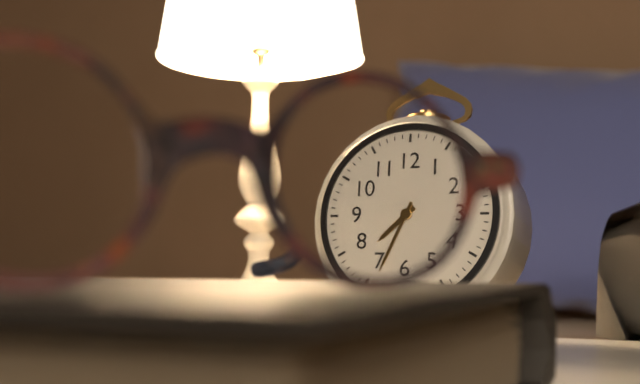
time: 7:34
